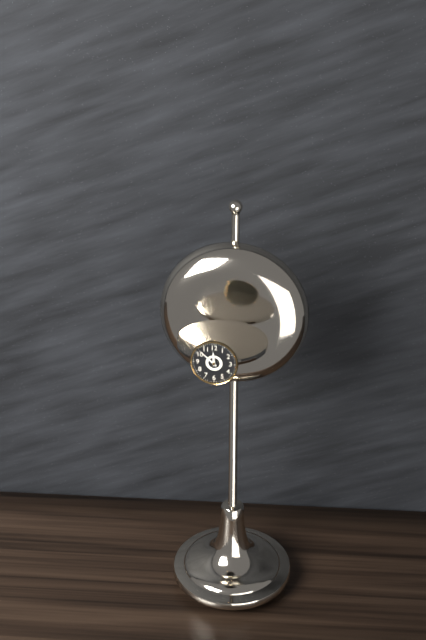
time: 11:52
